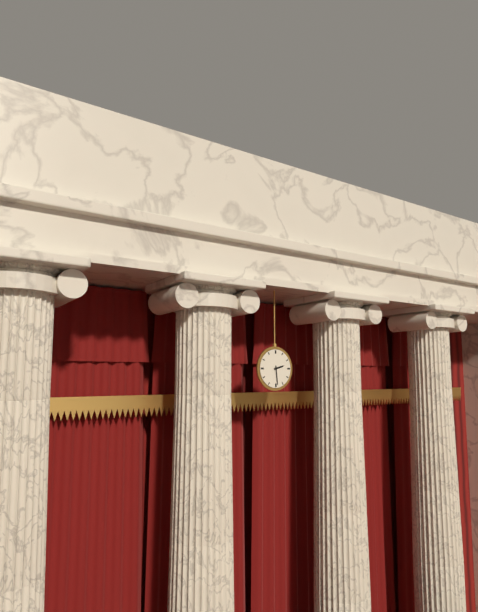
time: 2:29
